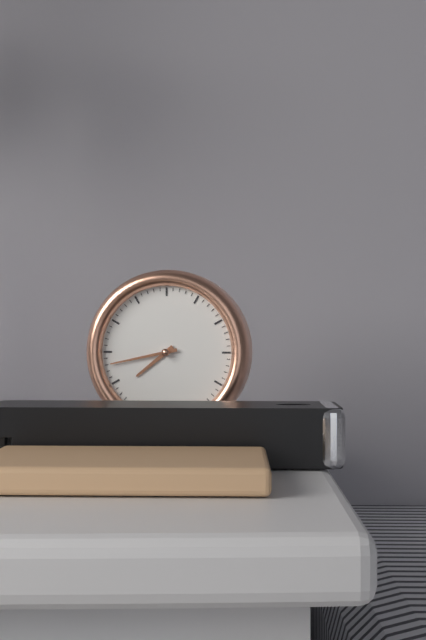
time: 7:43
